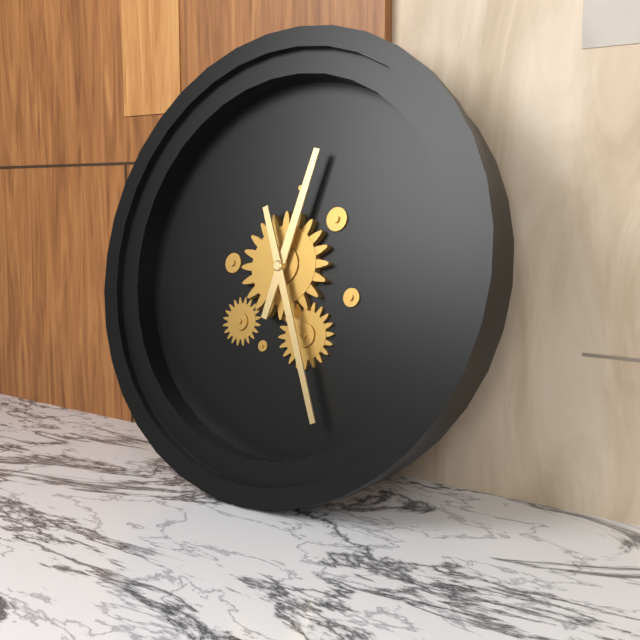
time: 12:26
